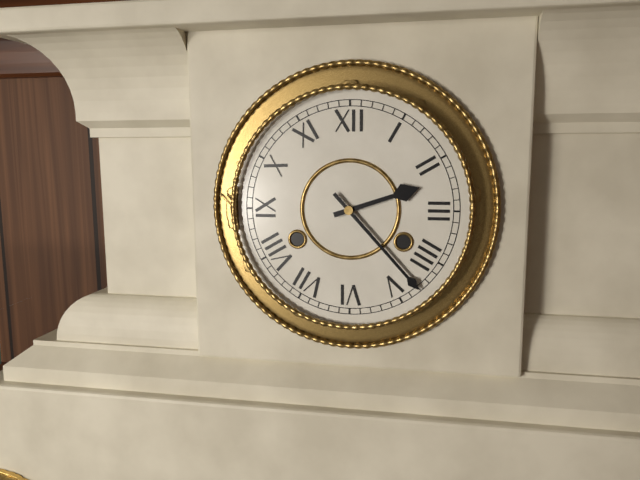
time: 2:23
